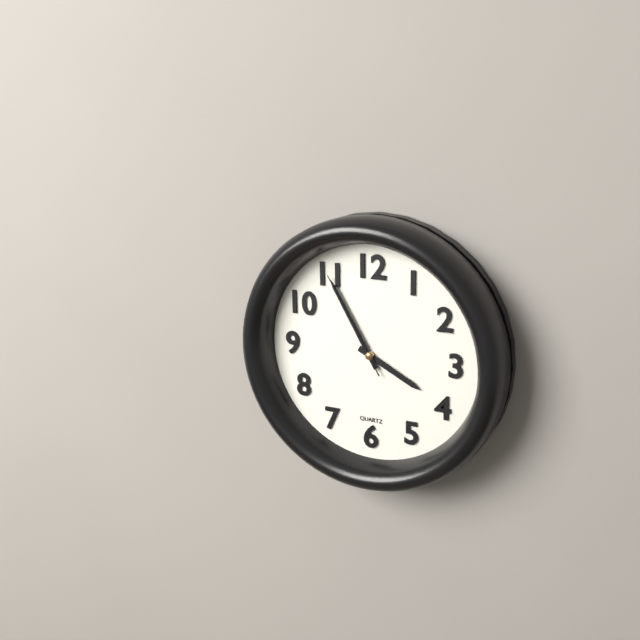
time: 3:55:55
